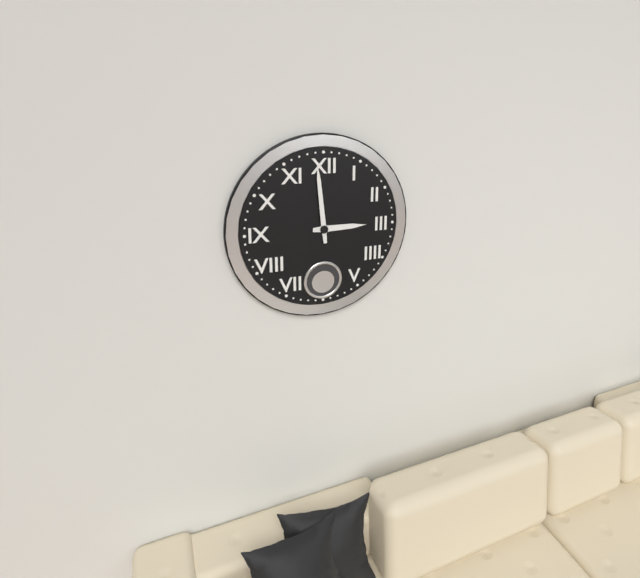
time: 2:59
